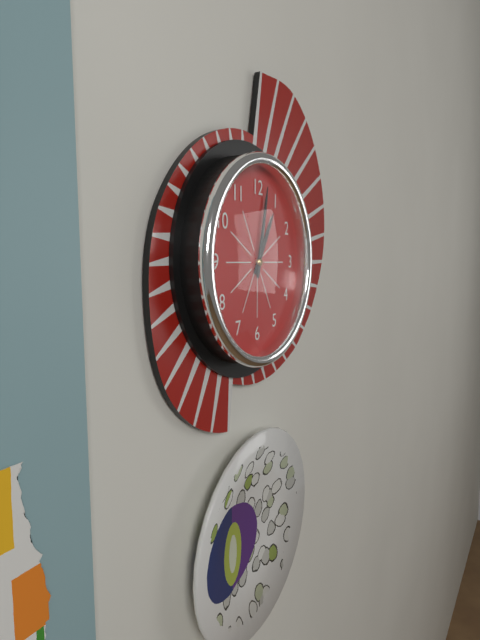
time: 1:02
